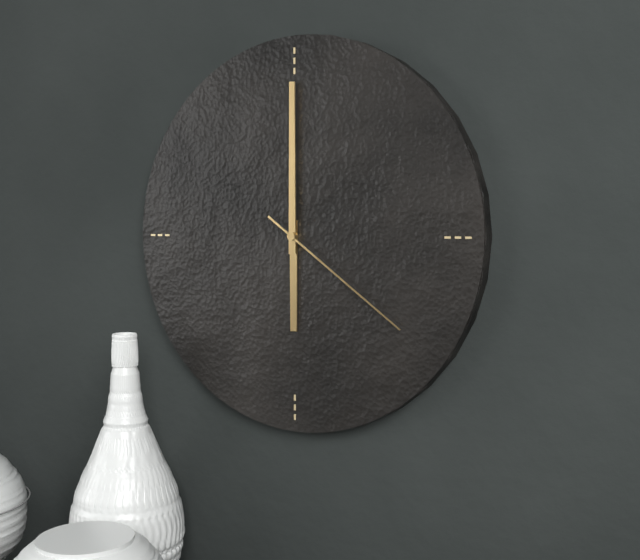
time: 6:00:21
